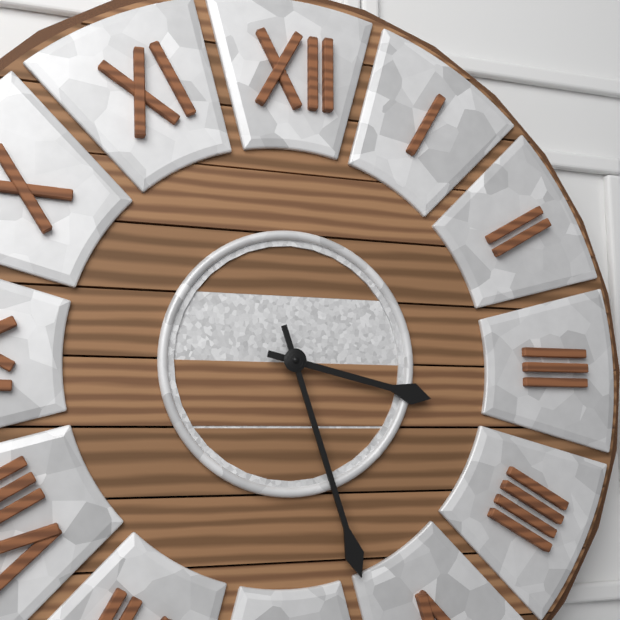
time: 3:27
